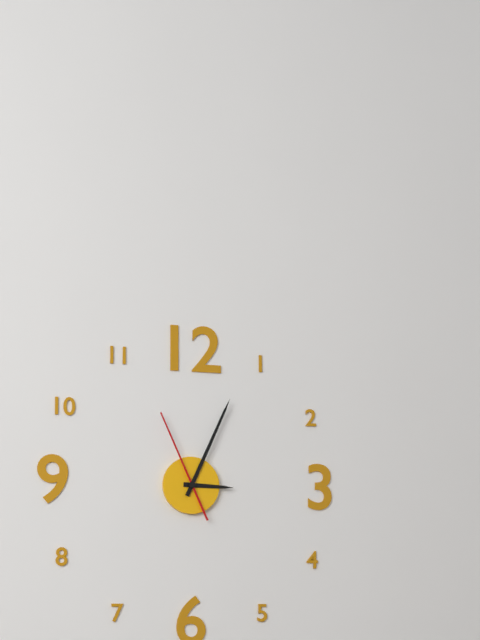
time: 3:04:56
